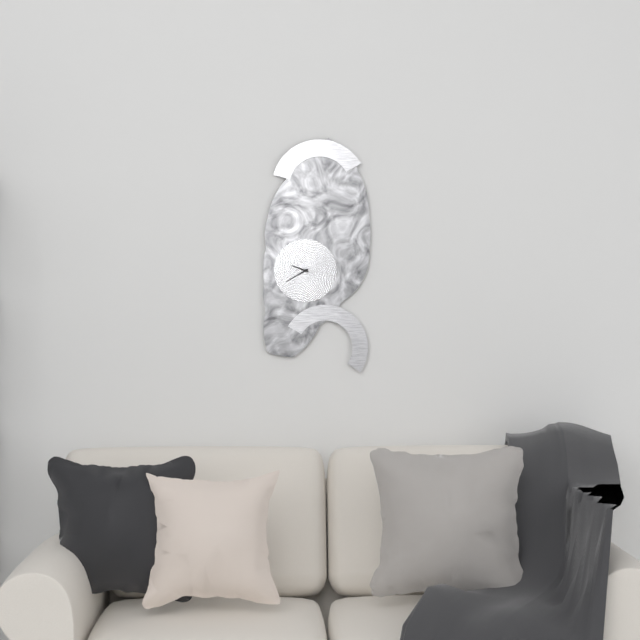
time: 9:40
